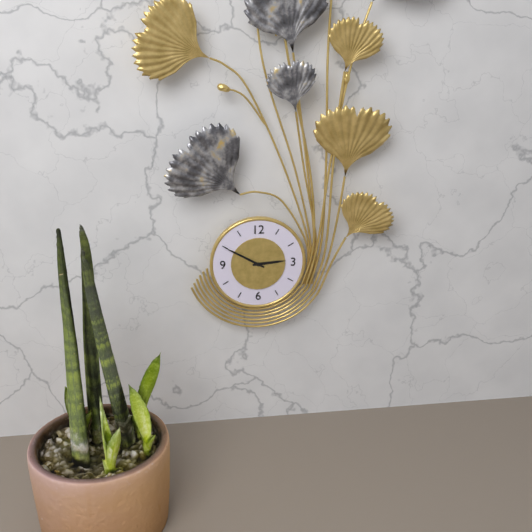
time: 2:50
